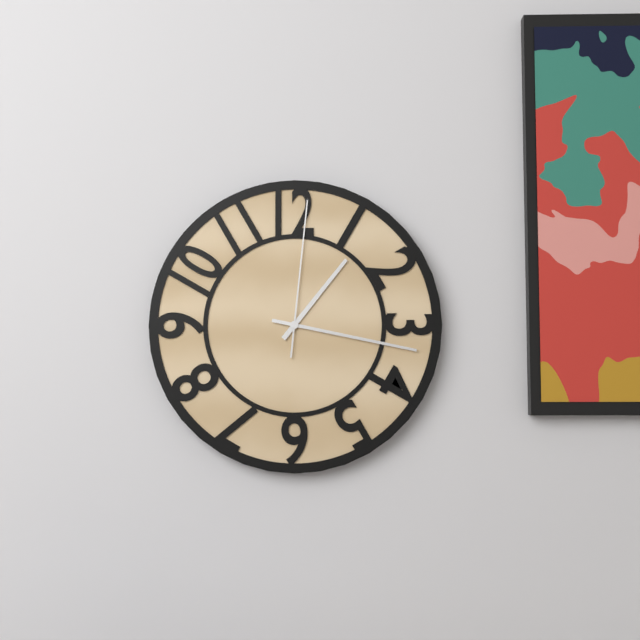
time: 1:17:01
